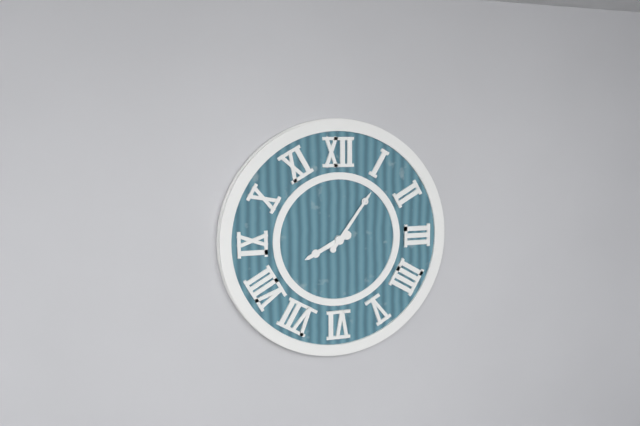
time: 8:06
